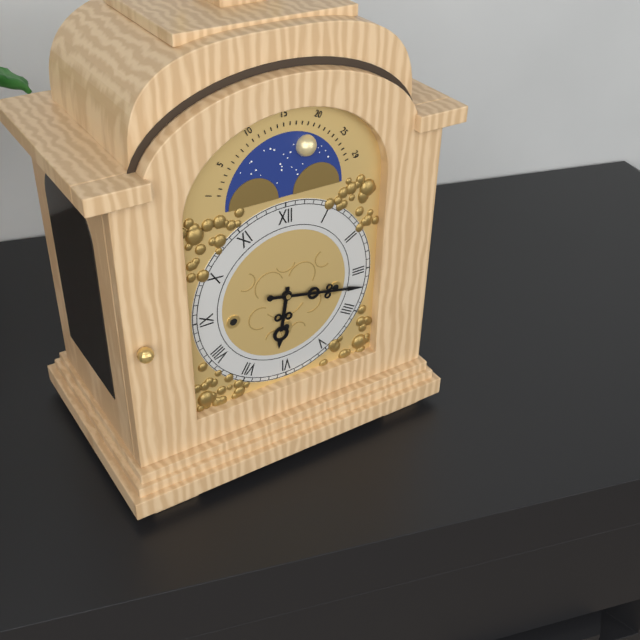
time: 6:17
